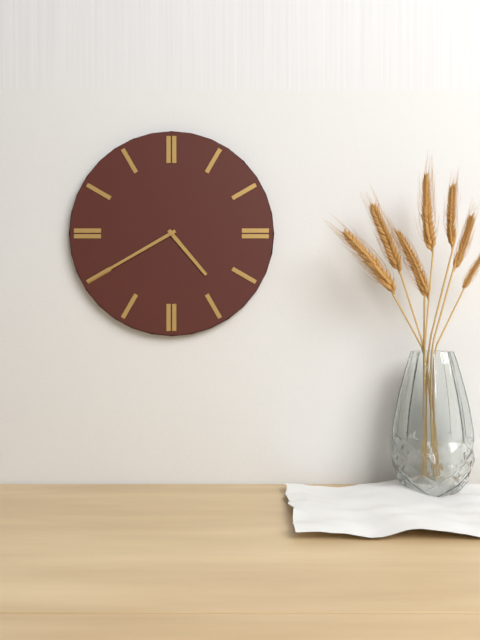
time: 4:40
